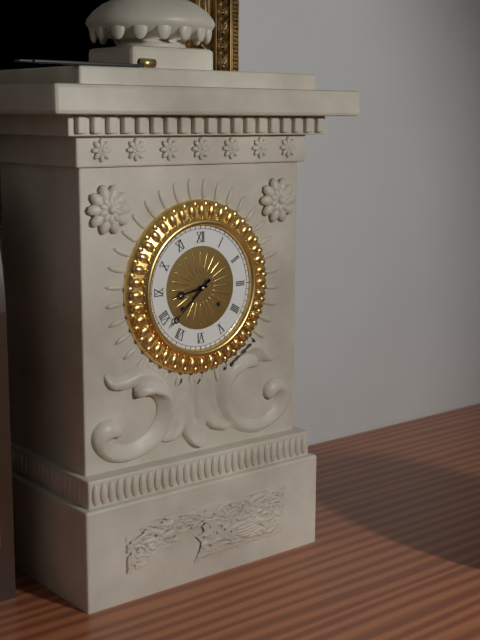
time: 8:38
